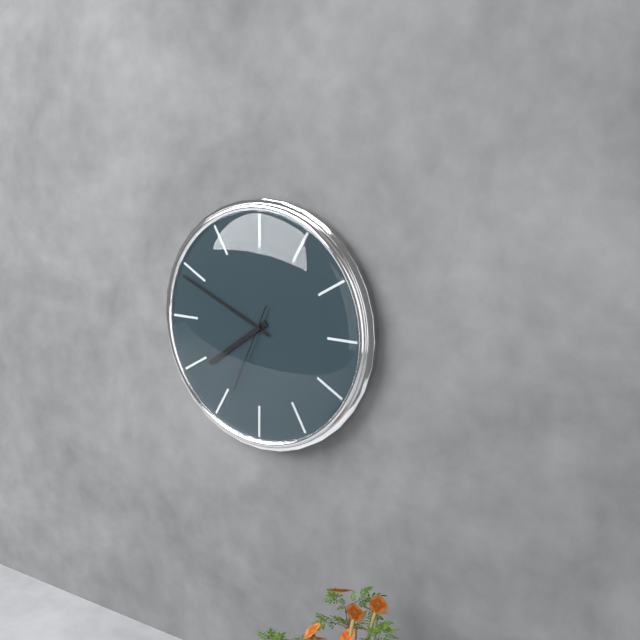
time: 7:49:34
